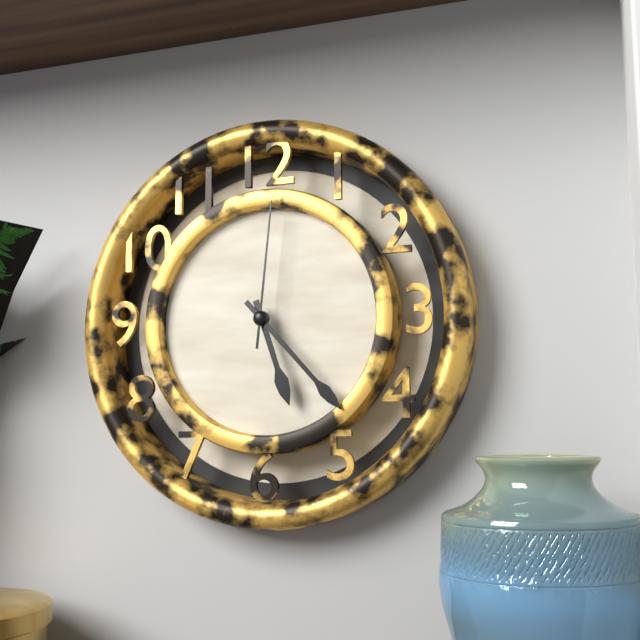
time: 5:23:01
